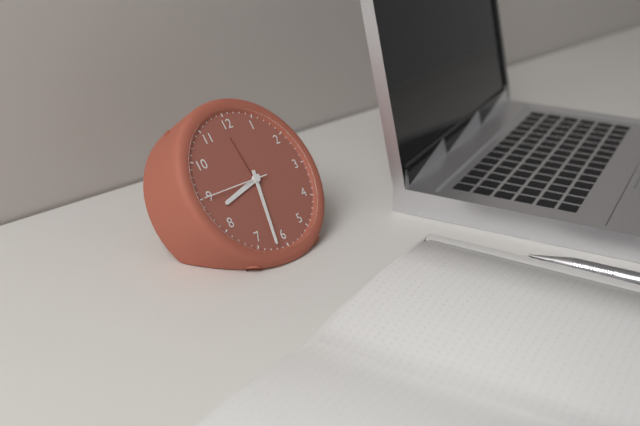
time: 8:32:45
